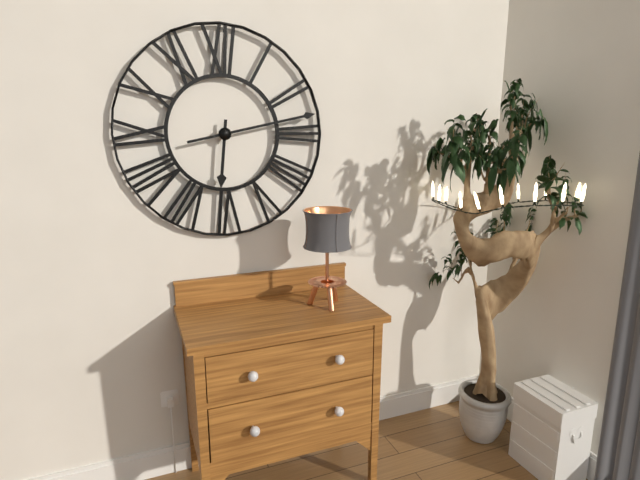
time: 6:13
